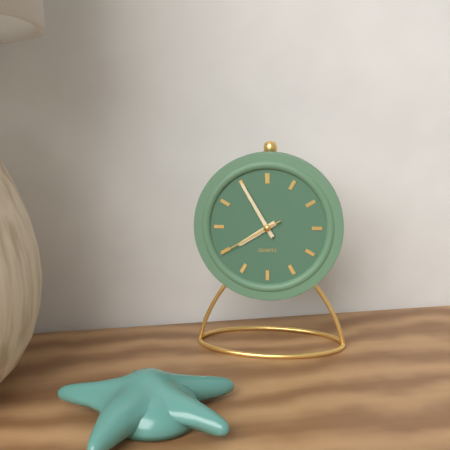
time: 7:55:40
